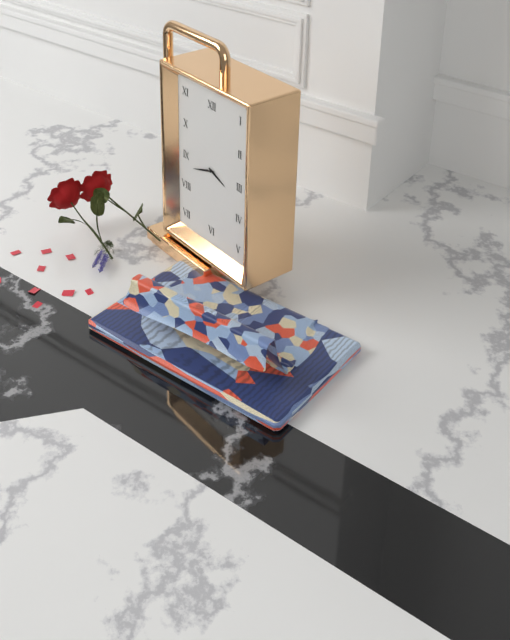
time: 3:42
